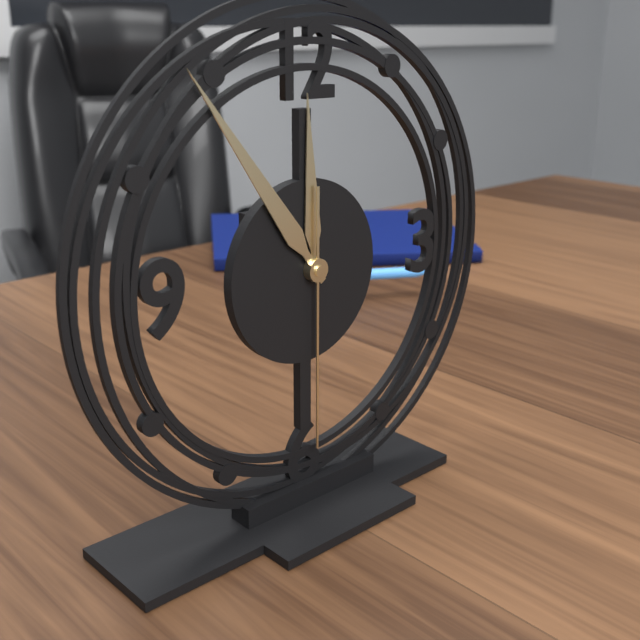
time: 11:54:30
